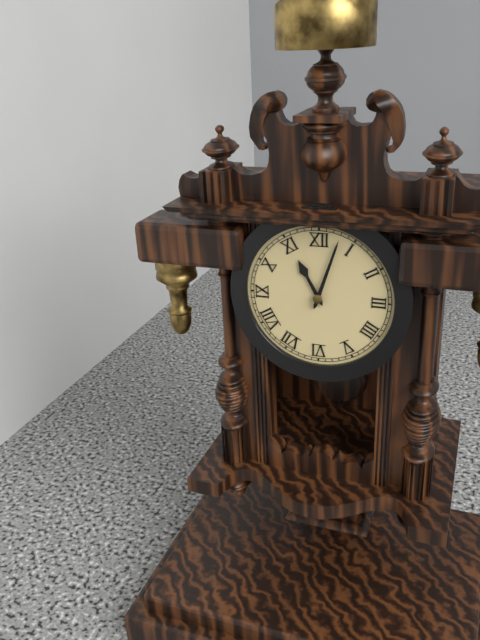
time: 11:03
